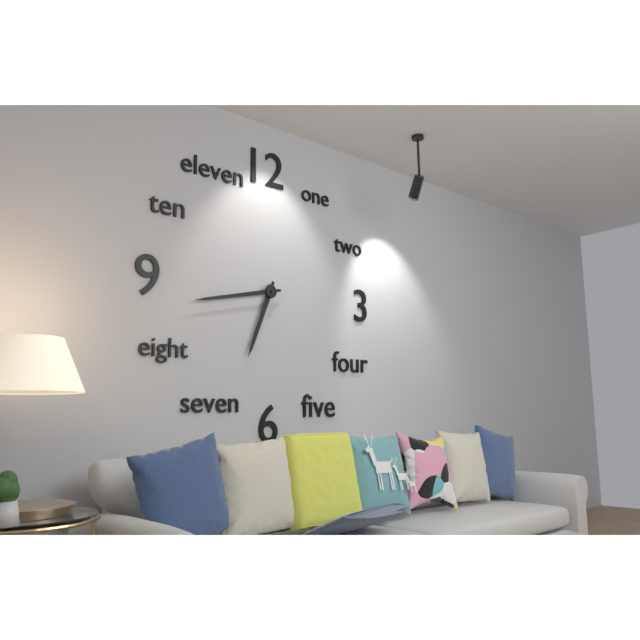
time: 6:43
